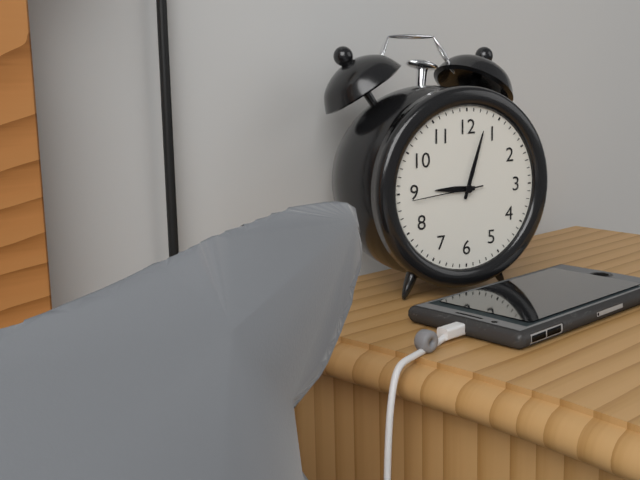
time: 9:03:44
